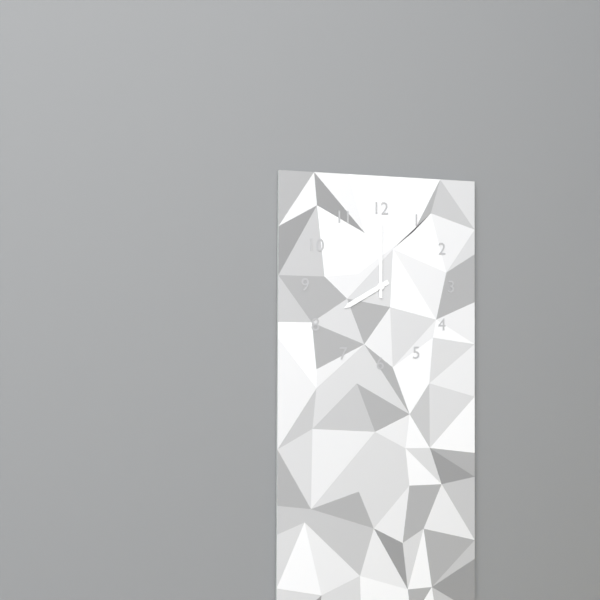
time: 8:00
